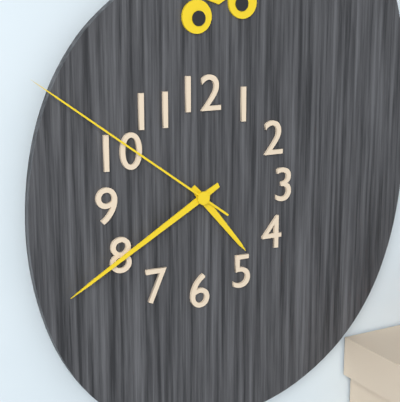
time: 4:40:51
